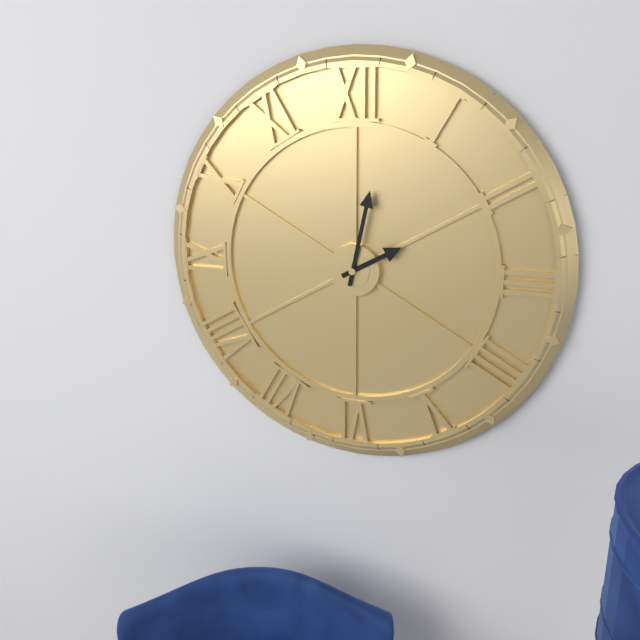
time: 2:02
